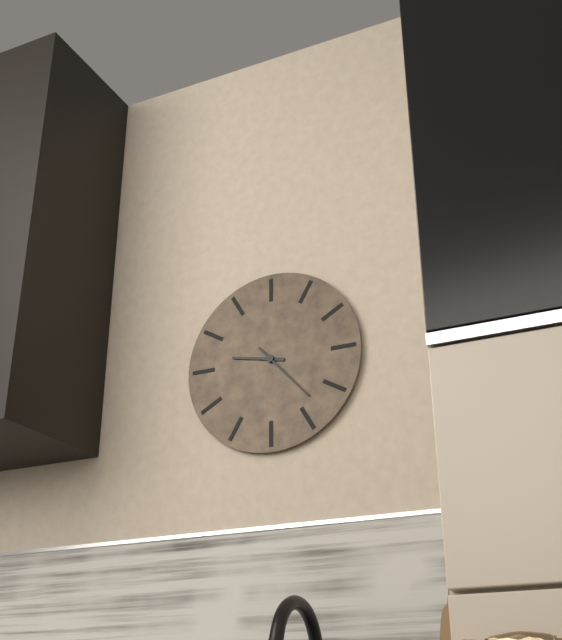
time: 9:23
